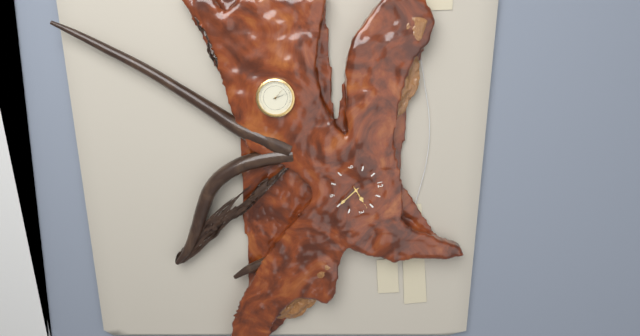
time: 2:25
